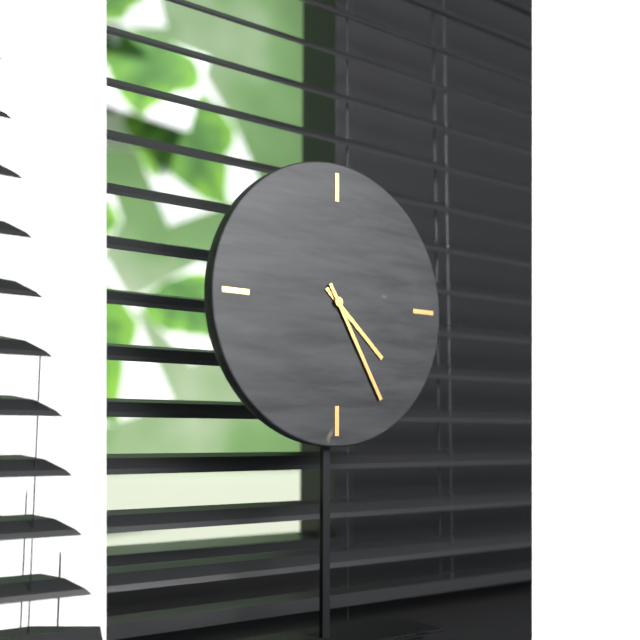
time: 4:25
